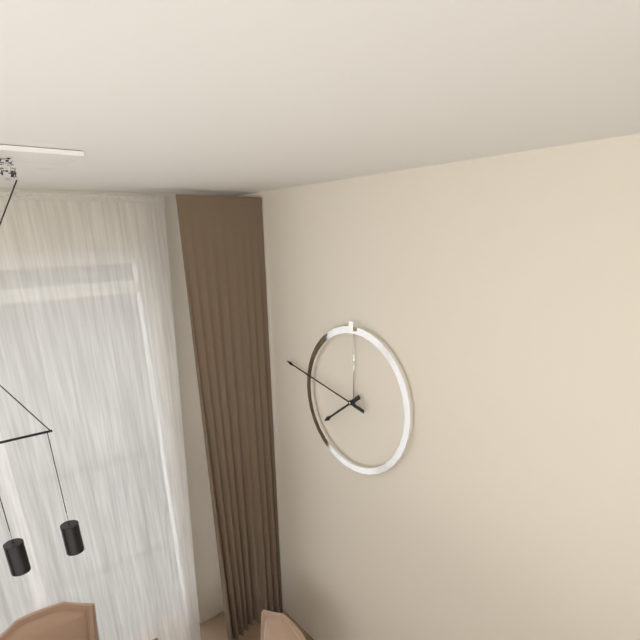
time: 7:47
